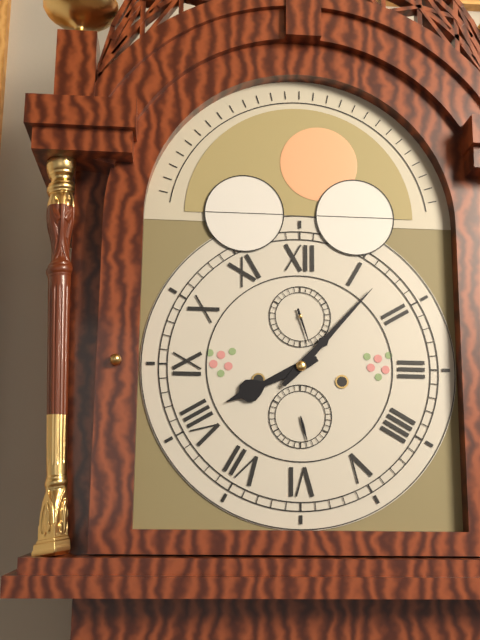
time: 8:07
